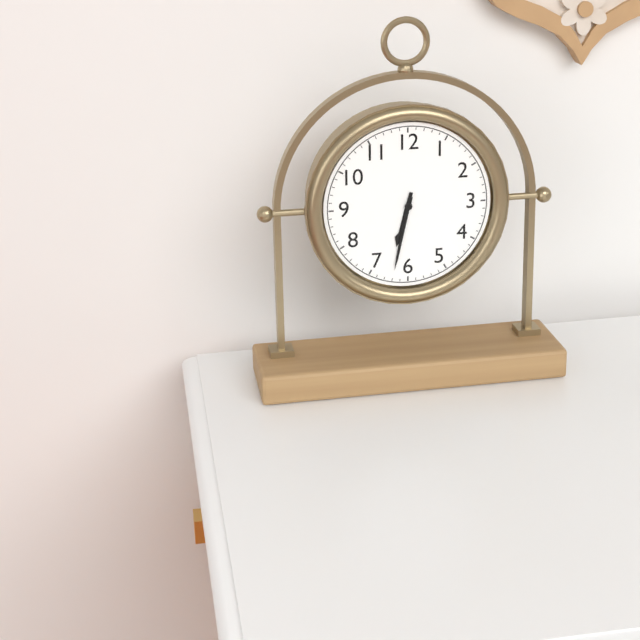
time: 6:32
